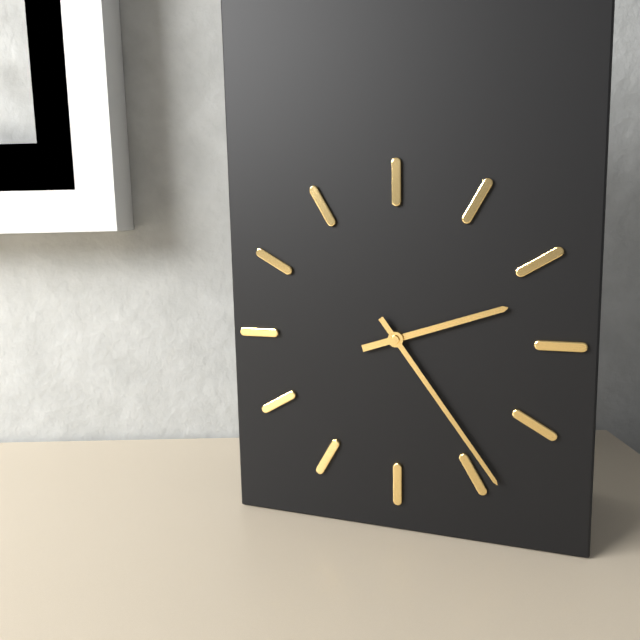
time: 2:24
